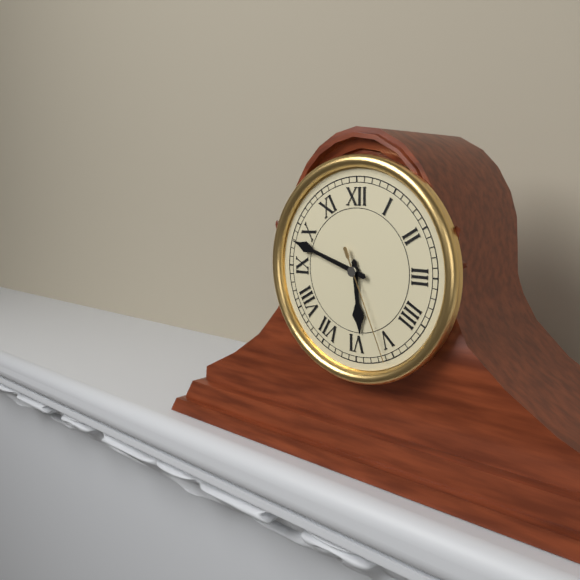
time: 5:48:26
